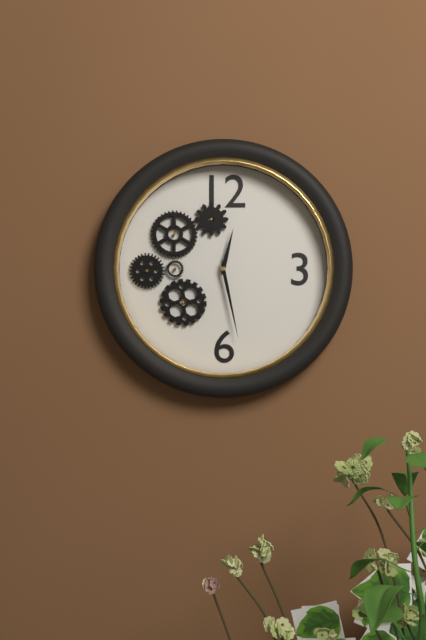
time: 12:28
